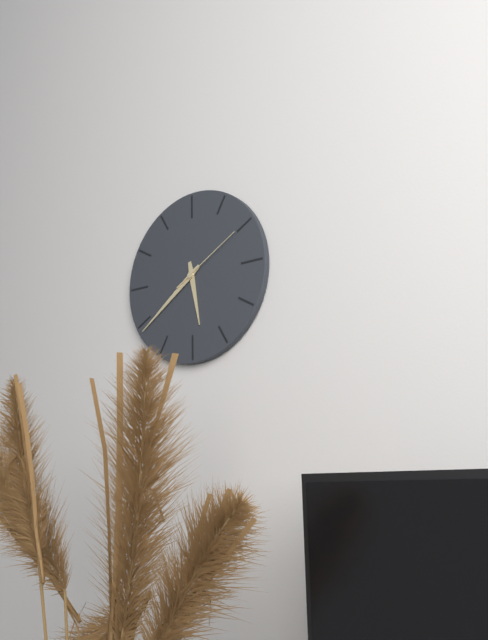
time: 5:39:10
